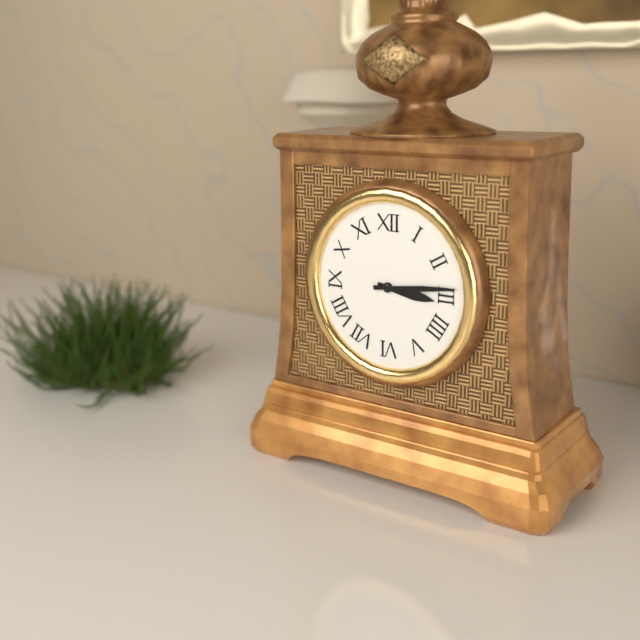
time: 3:14
